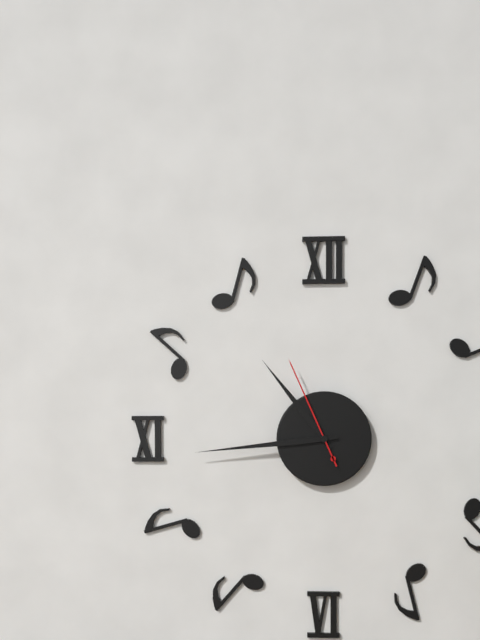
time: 10:44:56
